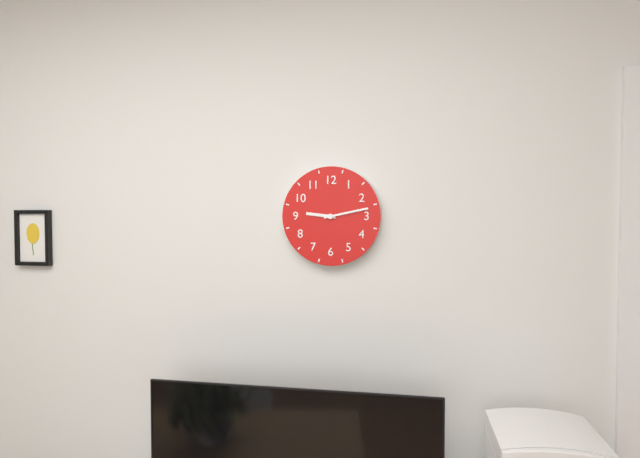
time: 9:13
